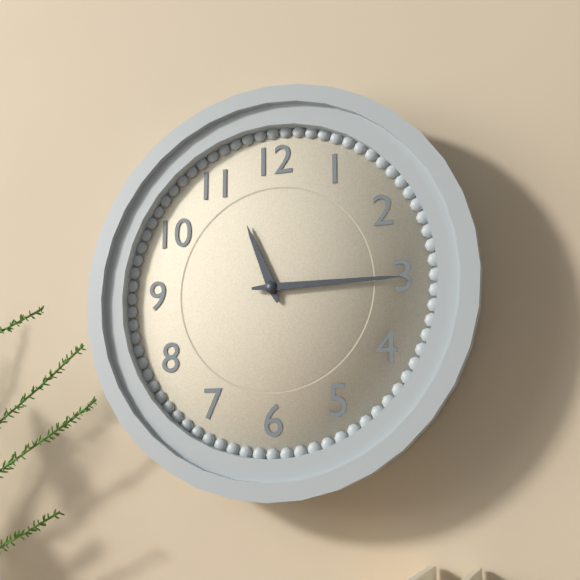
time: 11:15
